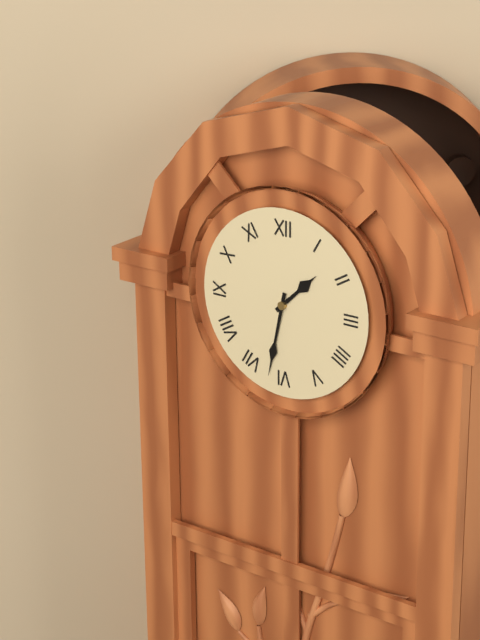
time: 1:32
